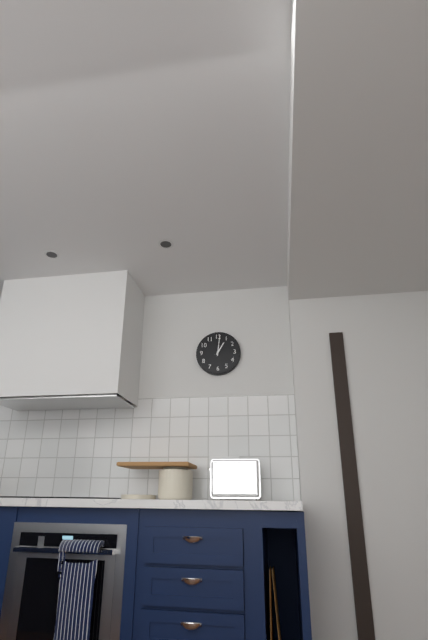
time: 1:01
